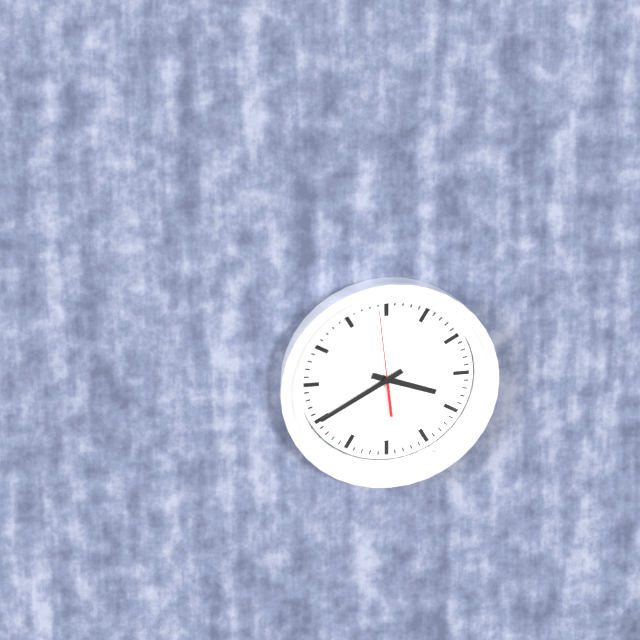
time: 3:40:59
